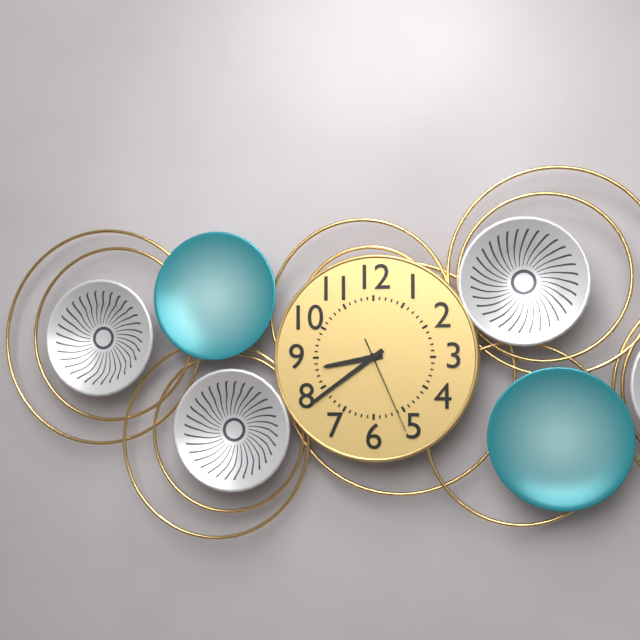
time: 8:39:26
